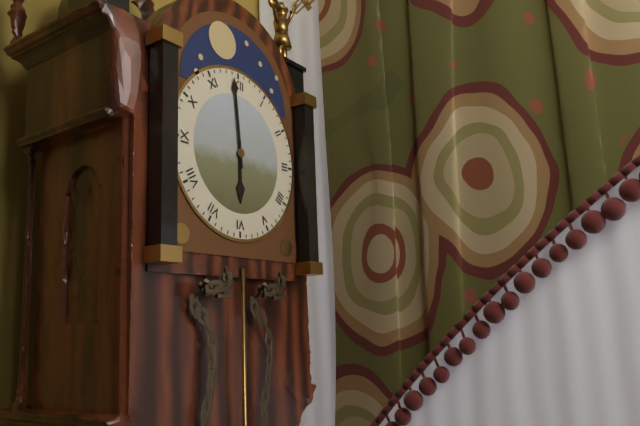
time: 5:59
